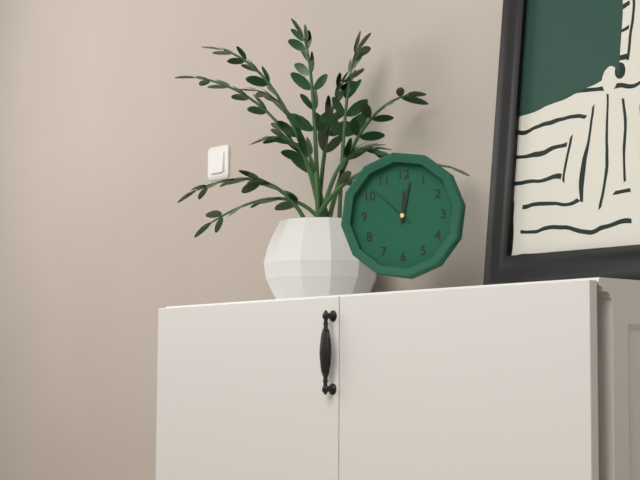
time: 12:02
